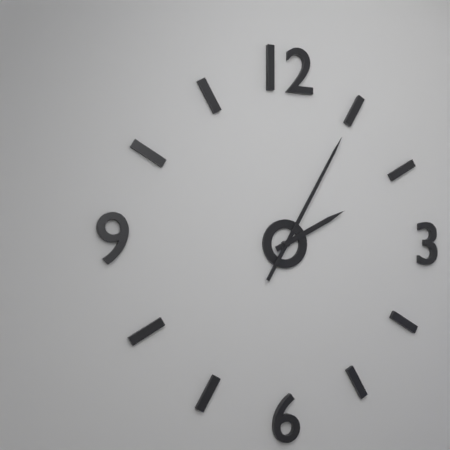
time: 2:05
